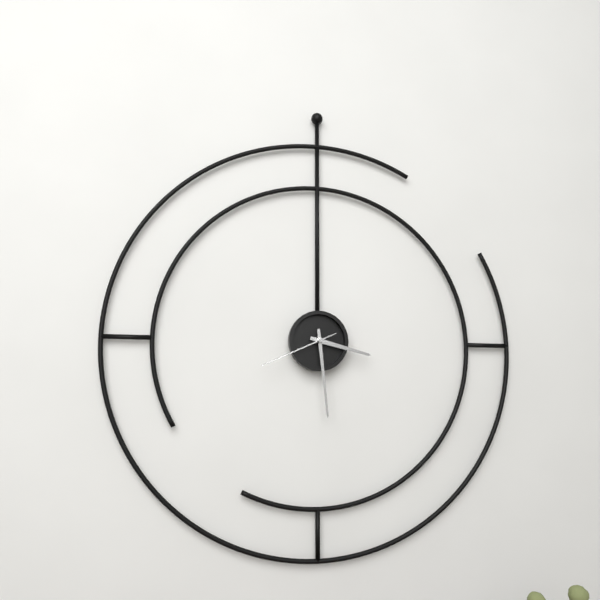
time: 3:29:41
